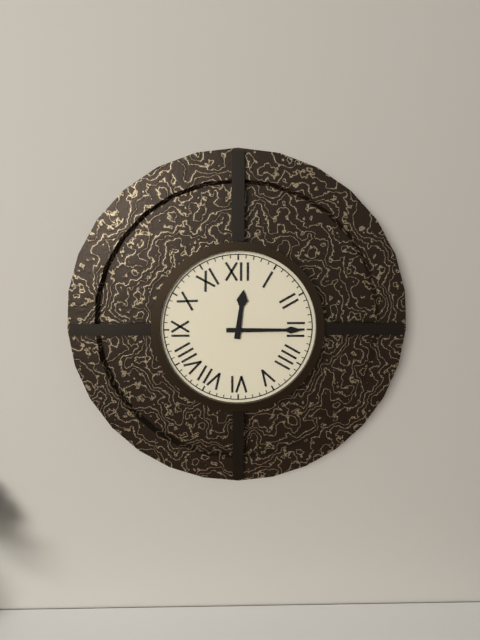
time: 12:15
